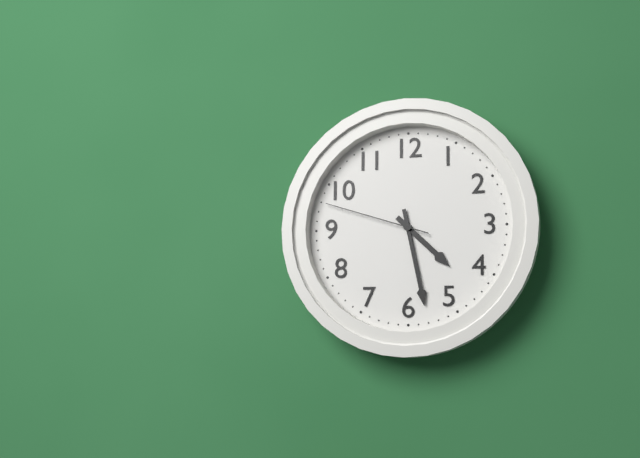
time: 4:28:48
